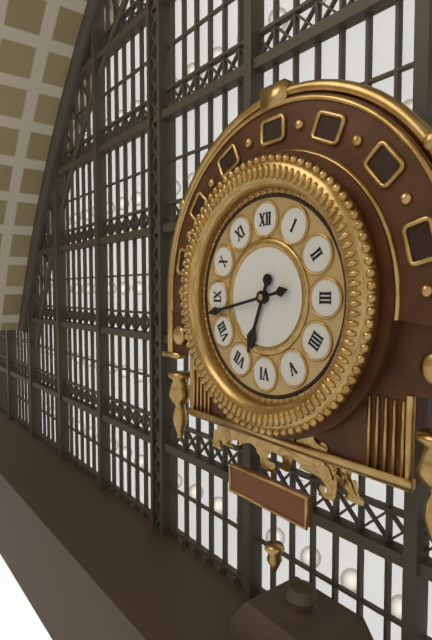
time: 6:43
